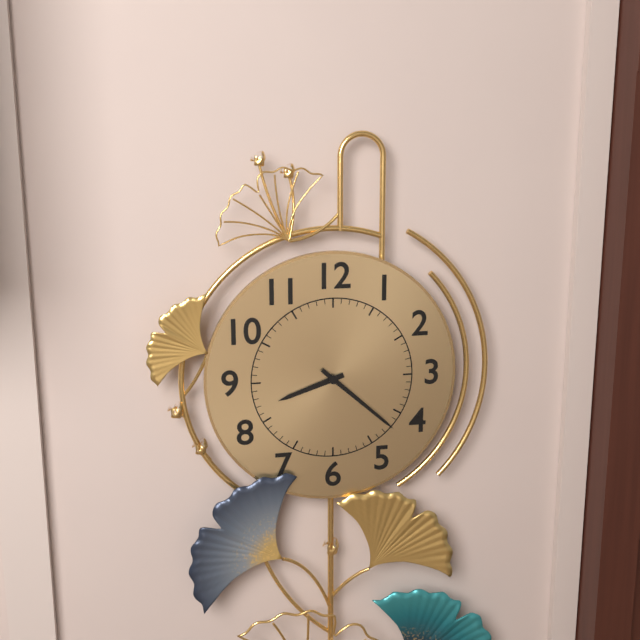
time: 8:22
